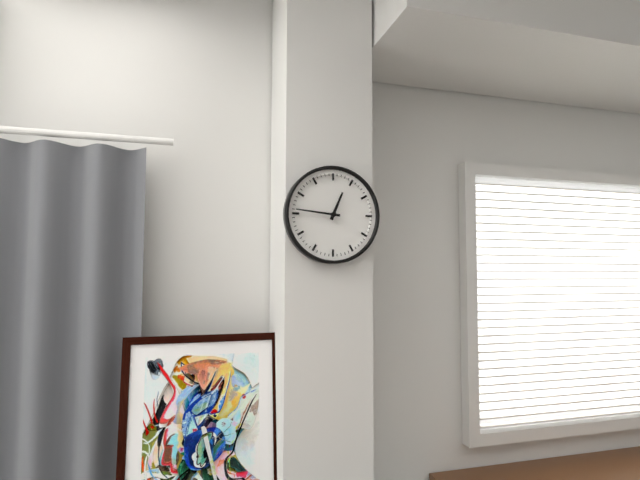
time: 12:46
